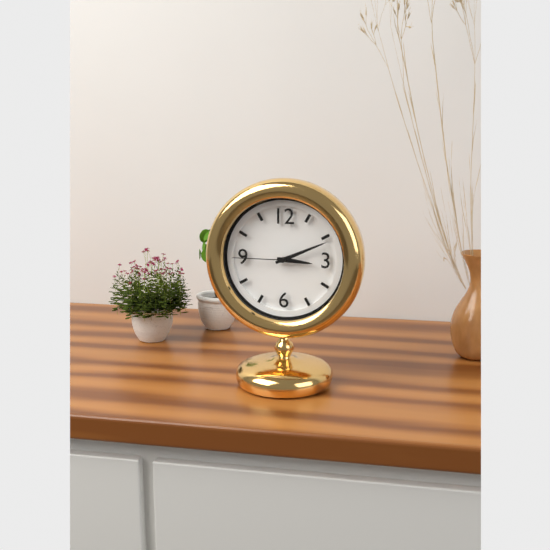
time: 3:11:45
